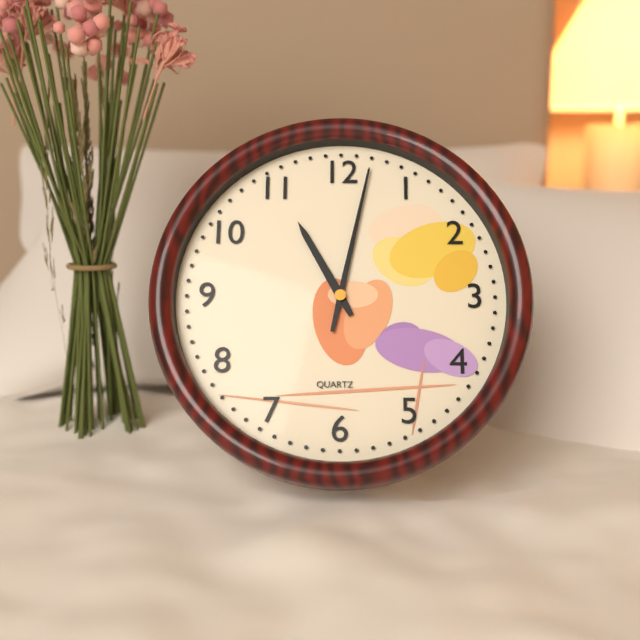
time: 11:02
